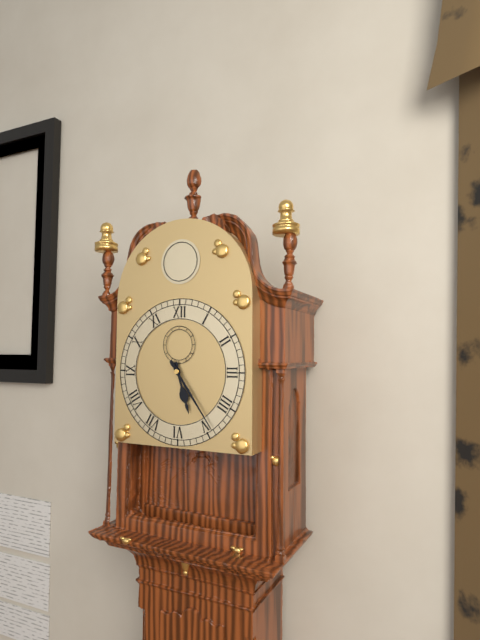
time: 5:24
